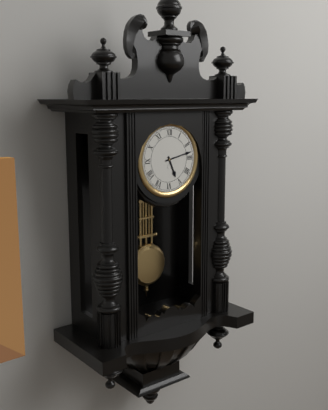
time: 5:13
